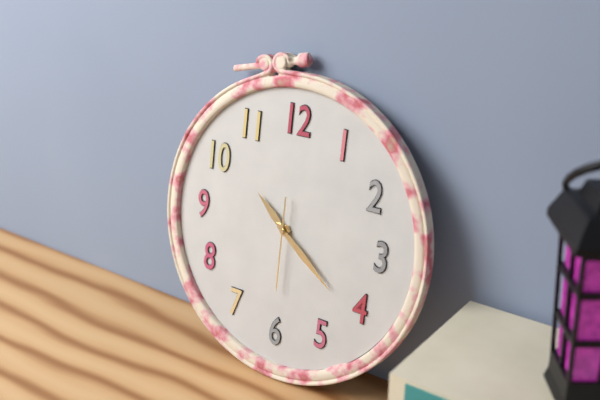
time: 10:21:30
